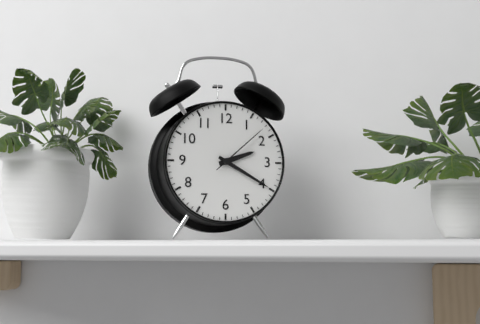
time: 2:20:08
